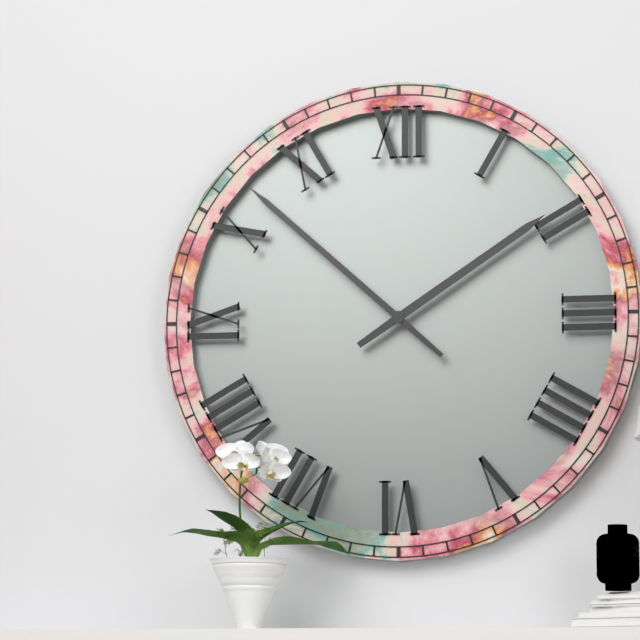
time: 1:52
